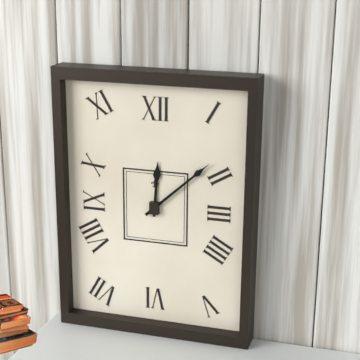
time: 12:08
